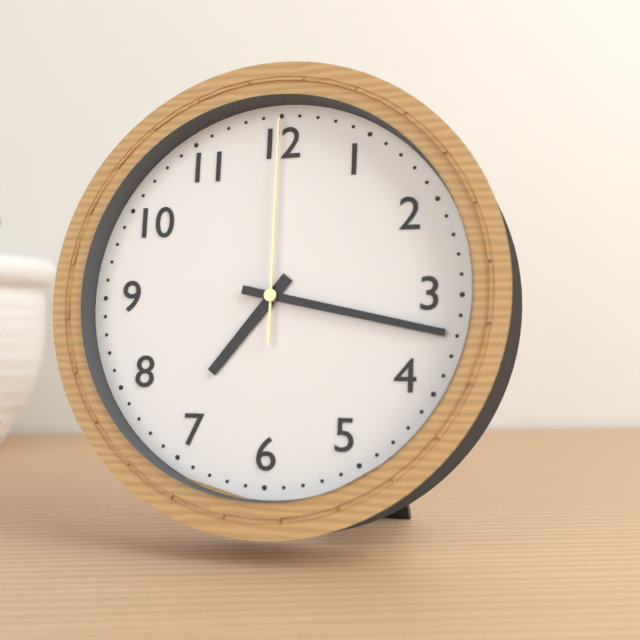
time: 7:17:00
